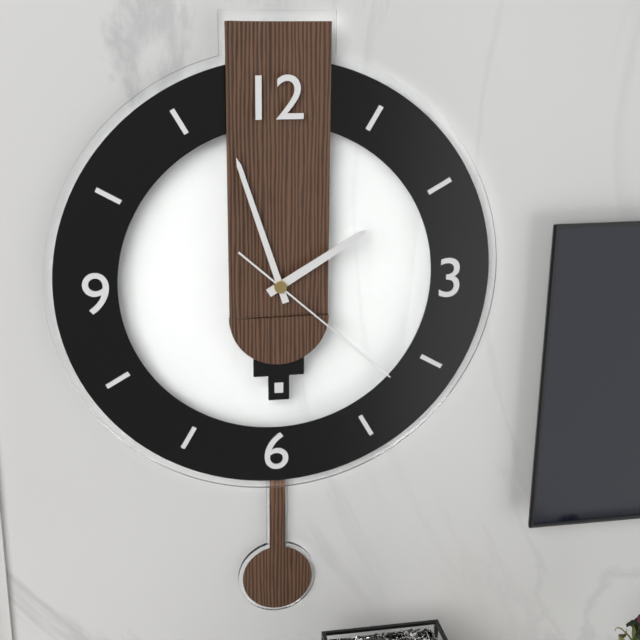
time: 1:57:22
